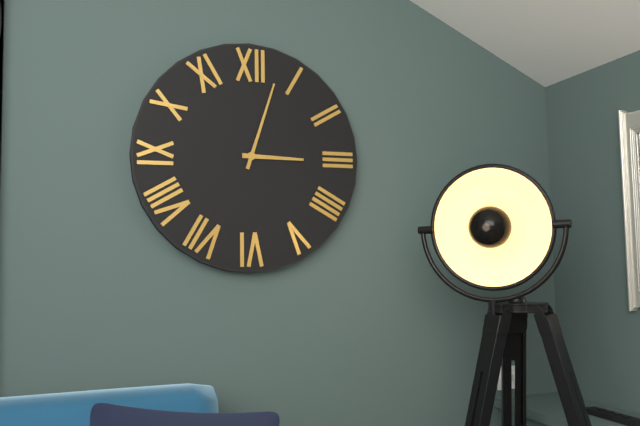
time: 3:03
